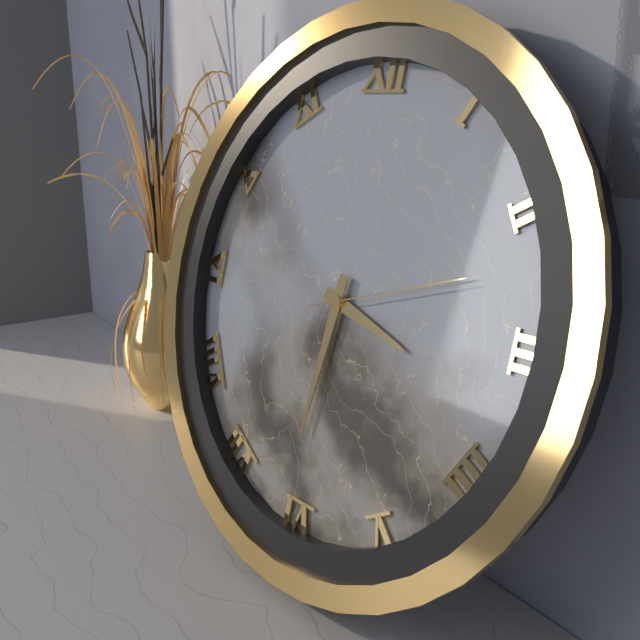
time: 3:31:12
